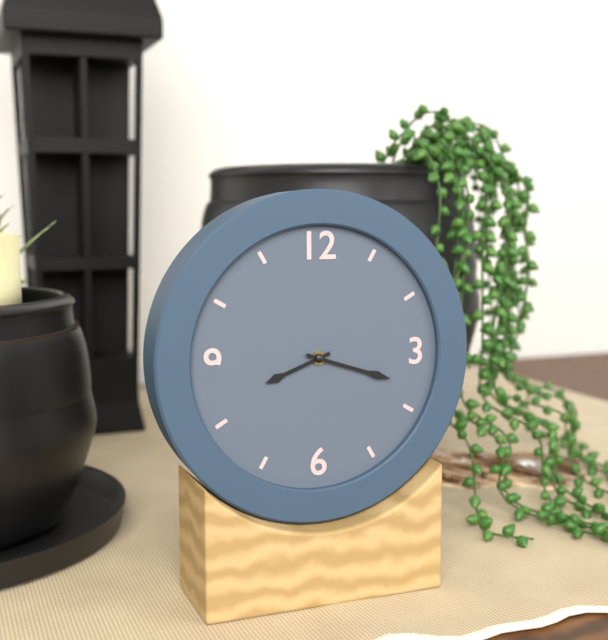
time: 8:18
